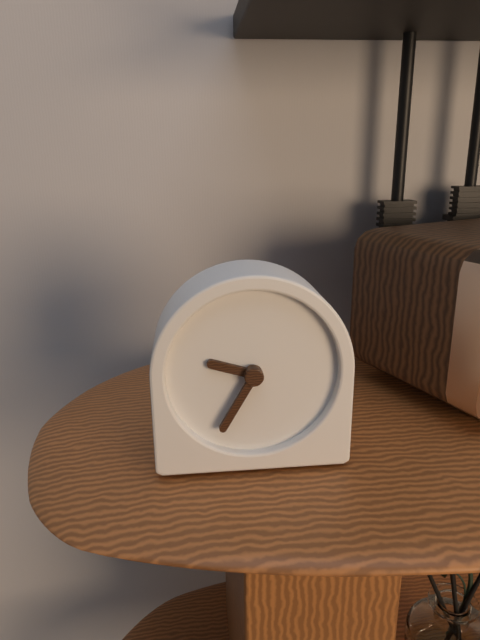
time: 9:35
